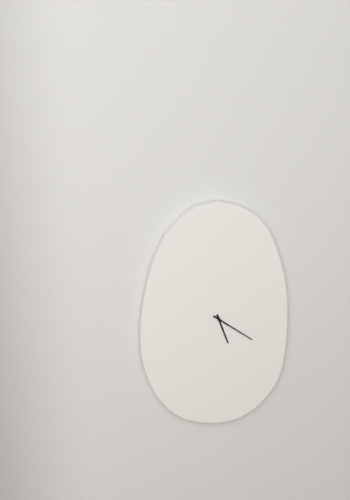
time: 5:21
